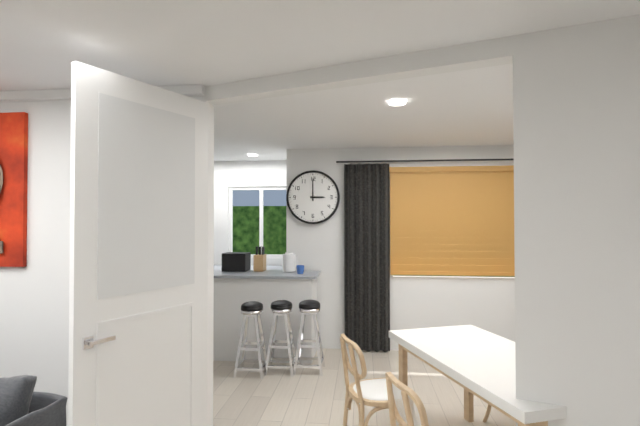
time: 3:00
